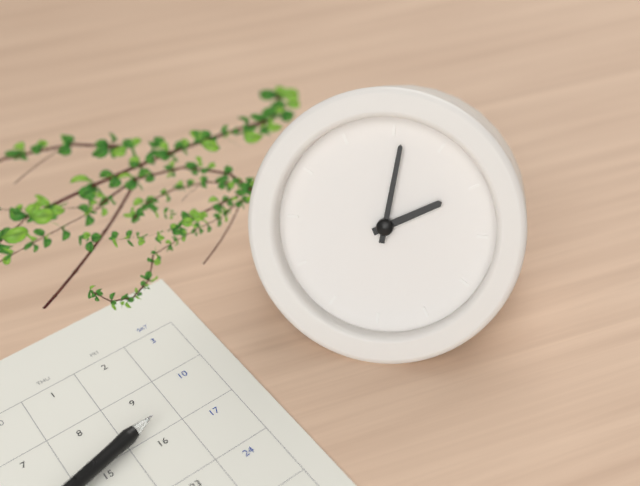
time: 2:01
